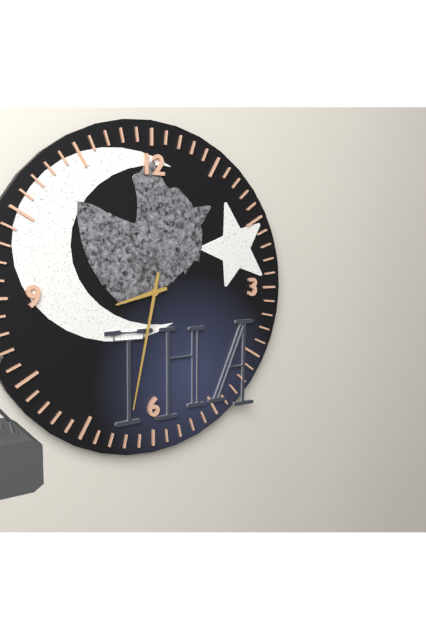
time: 8:32
